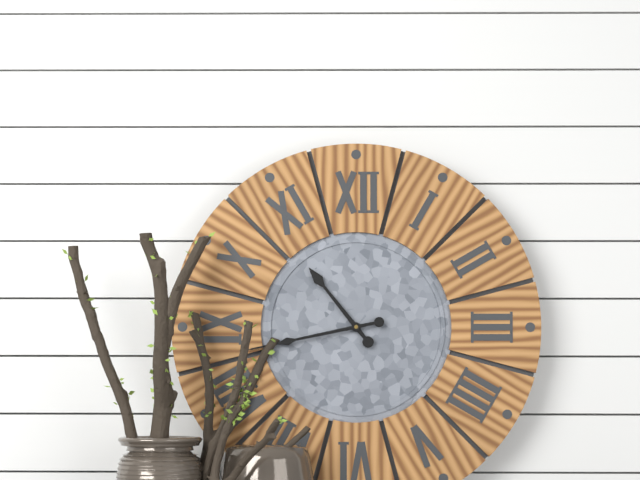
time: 10:43
